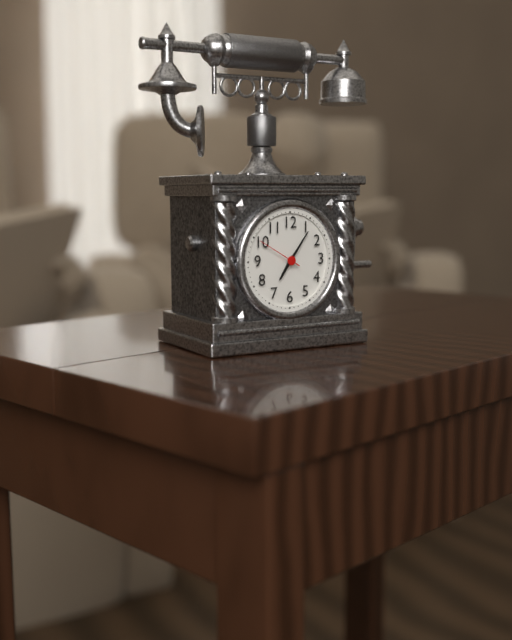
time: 7:06
